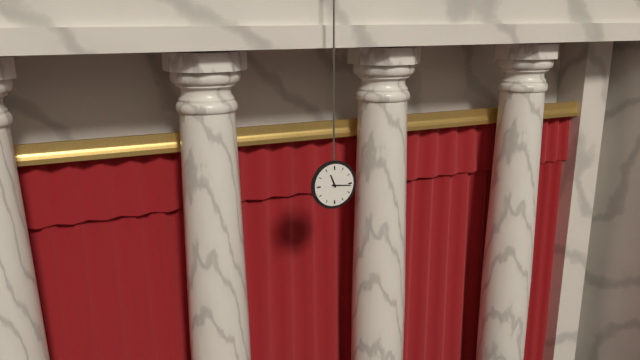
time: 11:16
